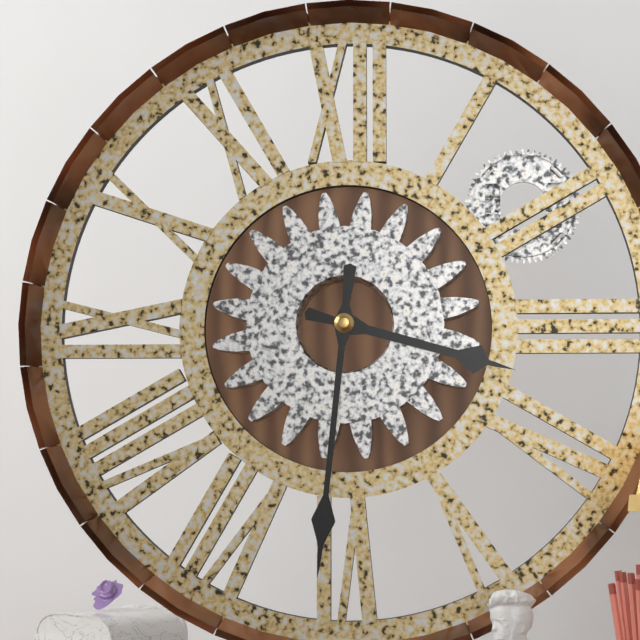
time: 3:31
